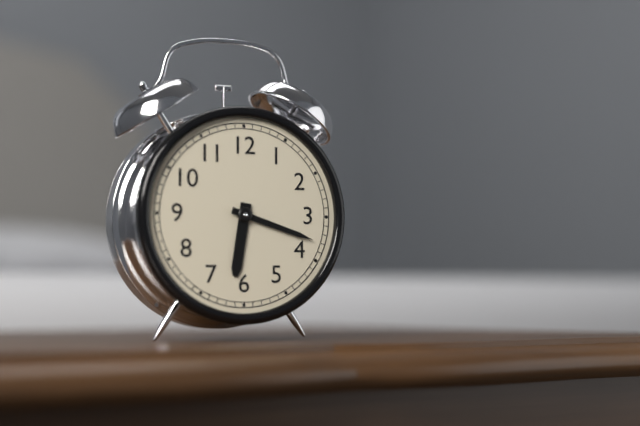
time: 6:18
